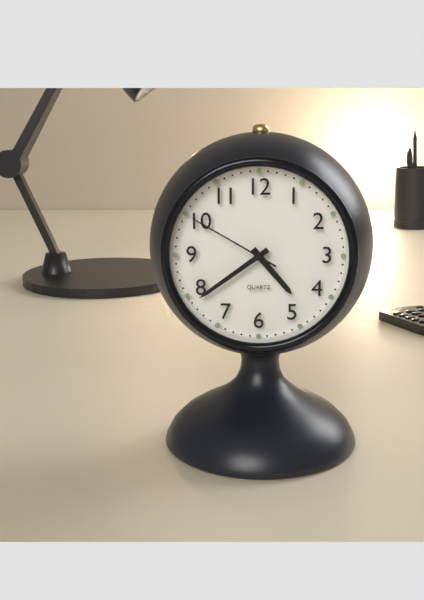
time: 4:39:50
